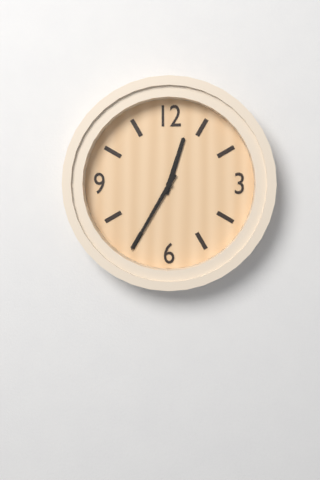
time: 12:35
